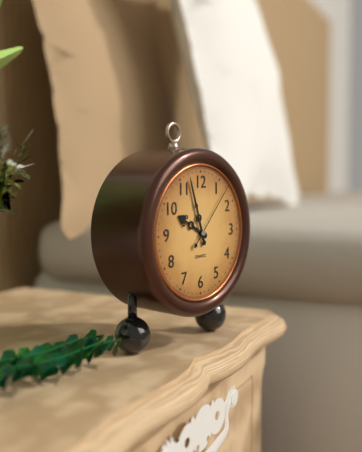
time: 9:57:07
